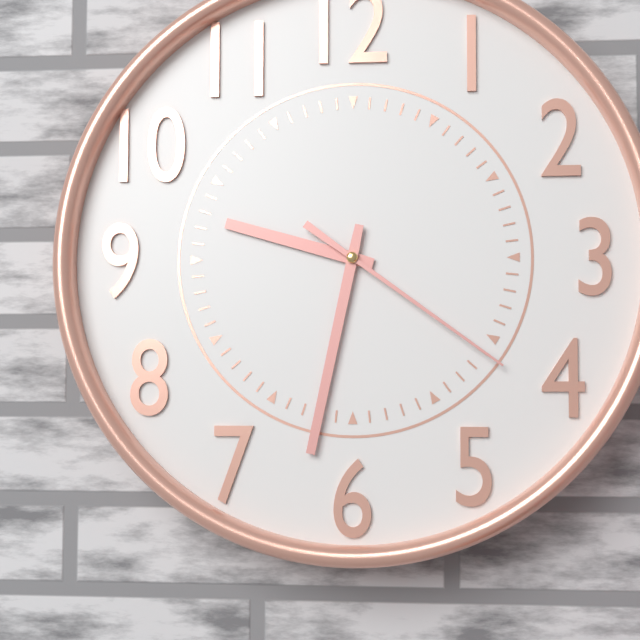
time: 9:32:21
